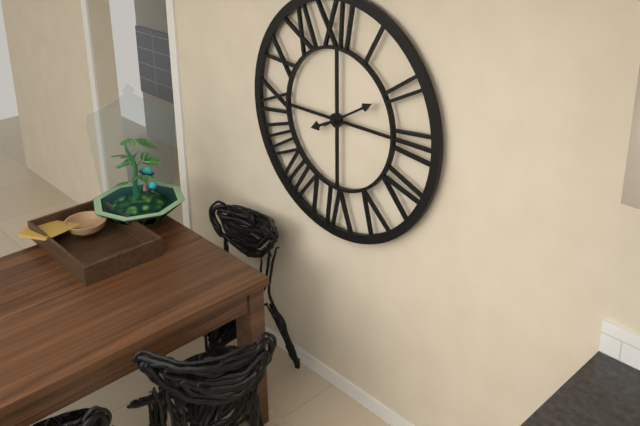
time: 8:10
